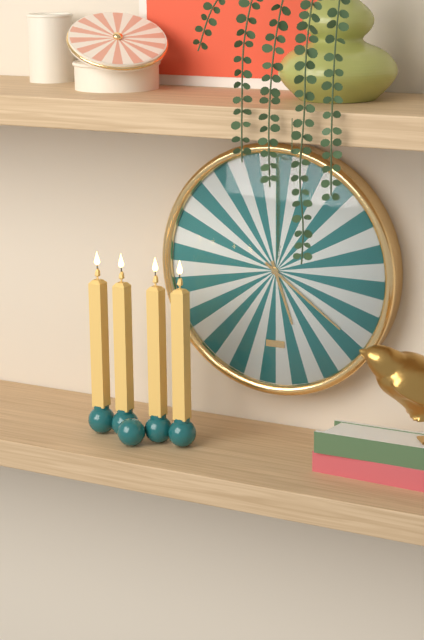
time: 5:21
